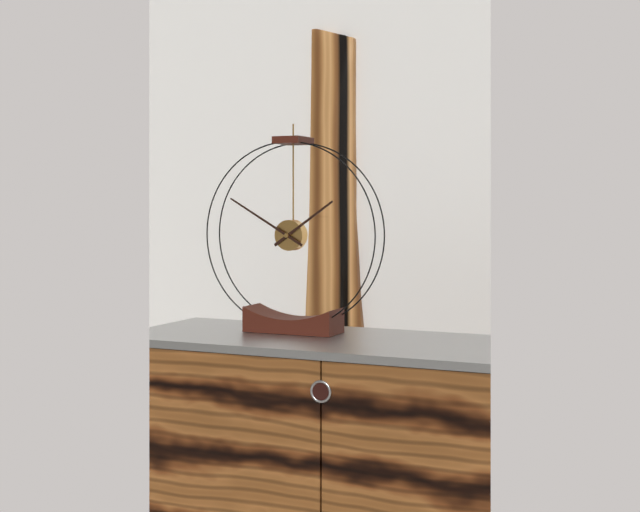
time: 1:50
